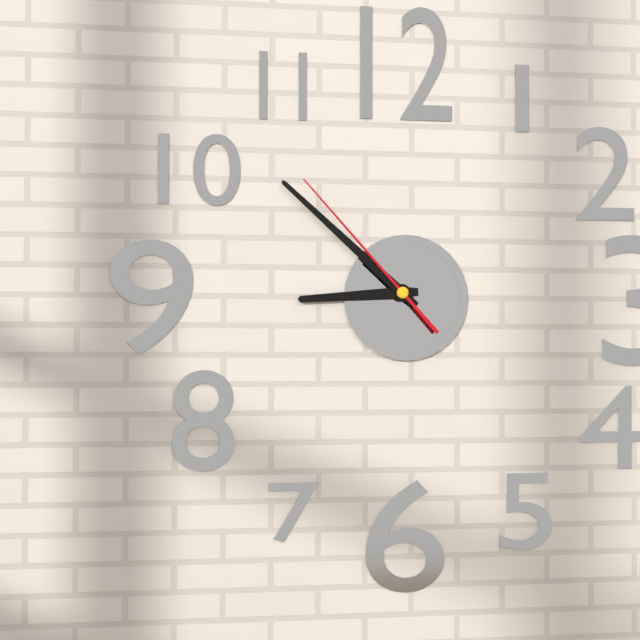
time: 8:52:53
